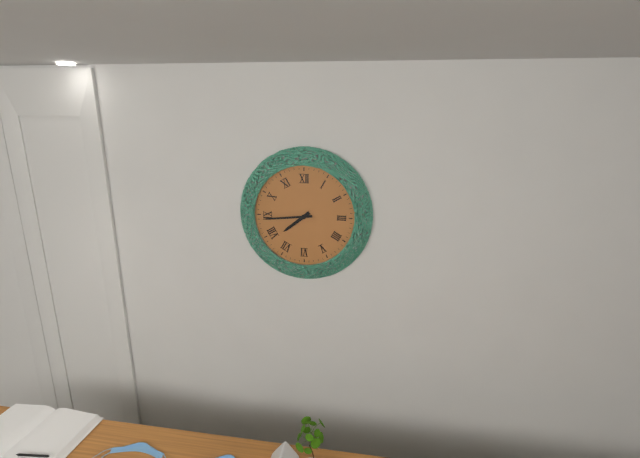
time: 7:44
